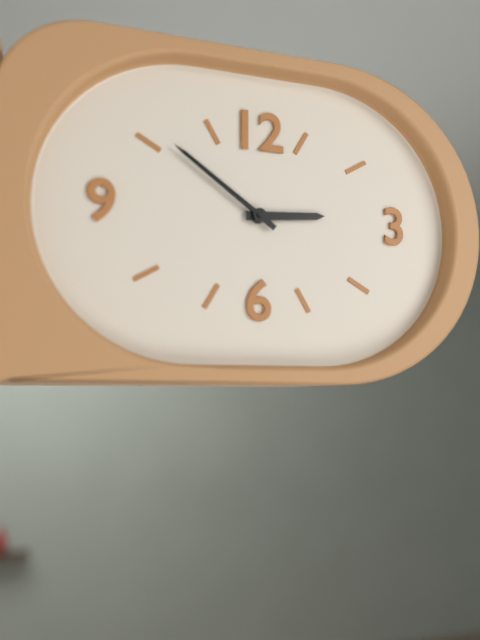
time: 2:51
